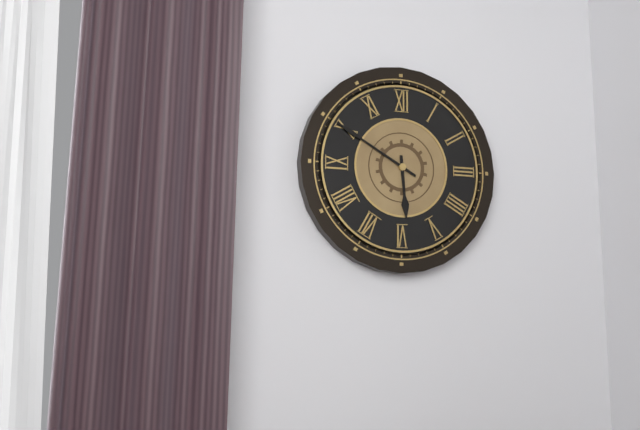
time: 5:50
